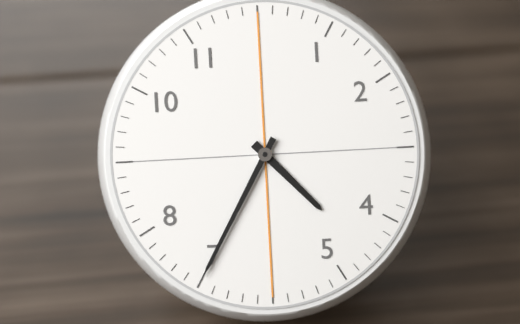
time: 4:35
